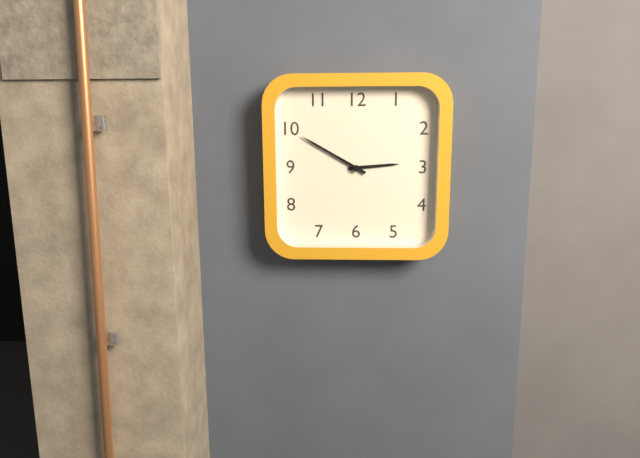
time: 2:50
